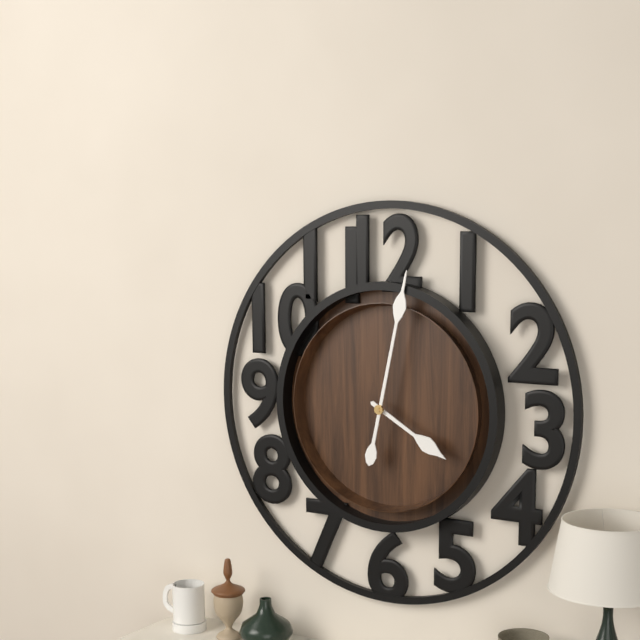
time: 4:02
